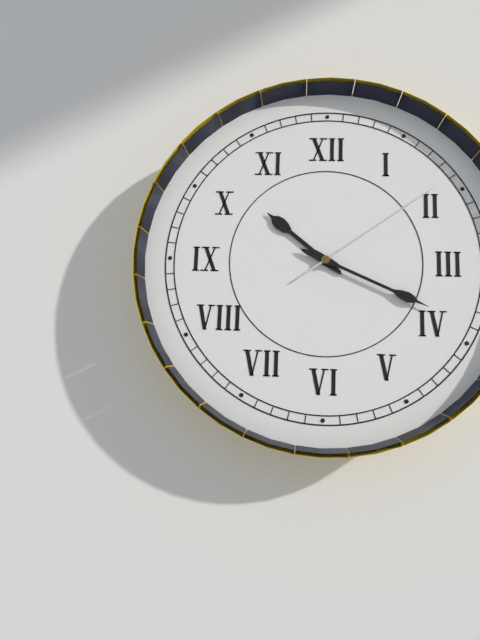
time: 10:19:09
